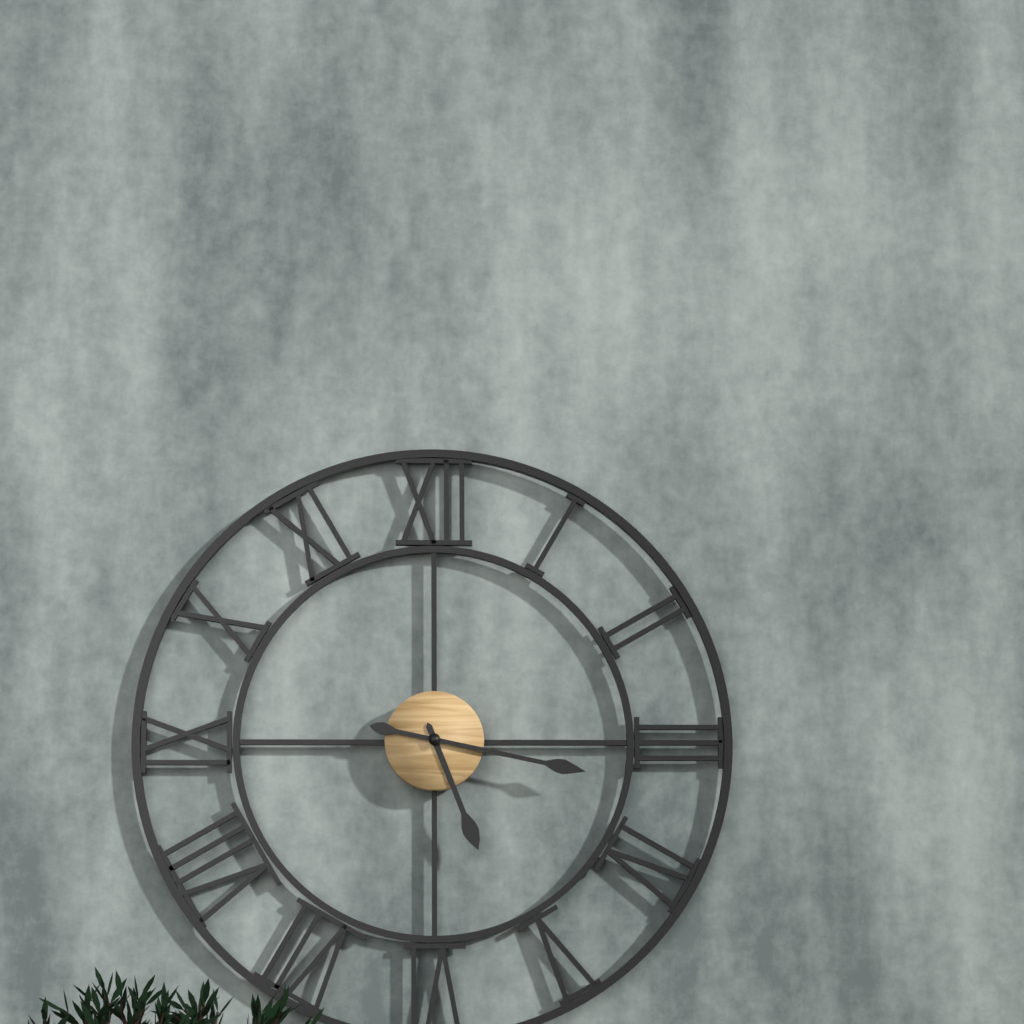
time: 5:17
